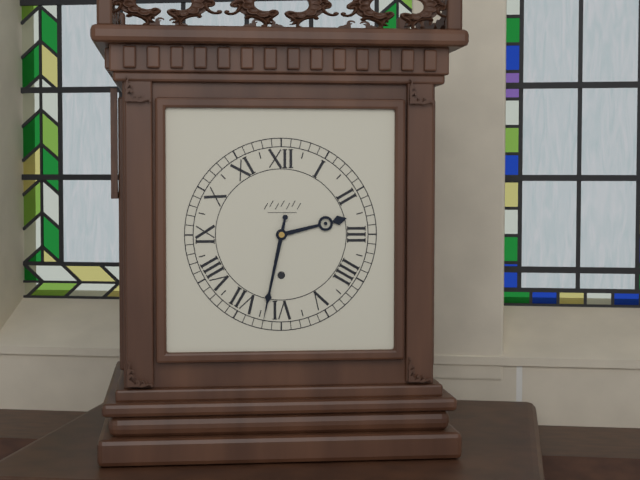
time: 2:32
